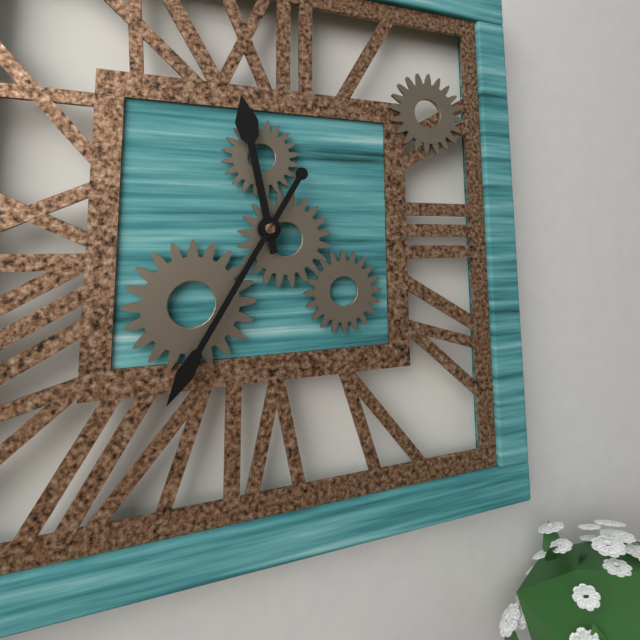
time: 11:35
